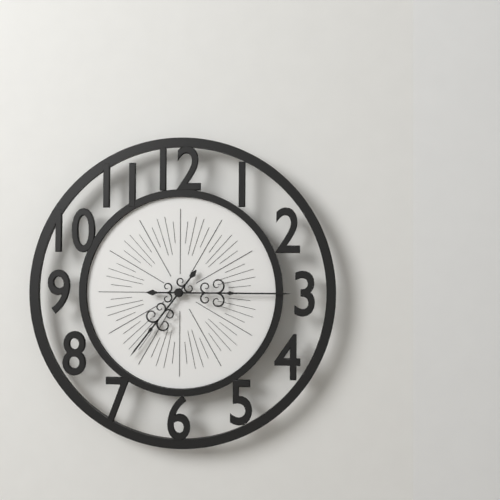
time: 7:15
